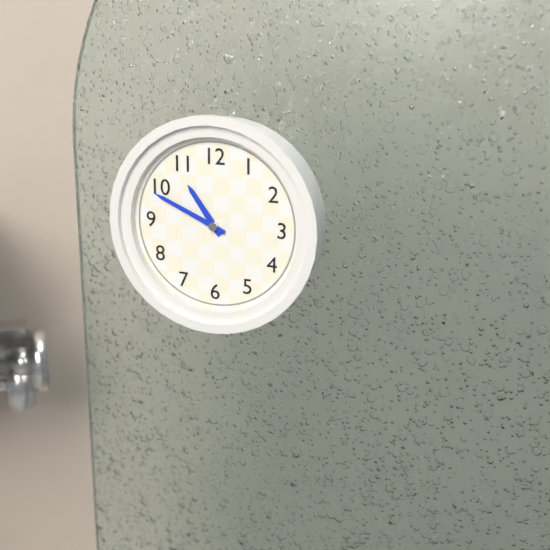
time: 10:49
